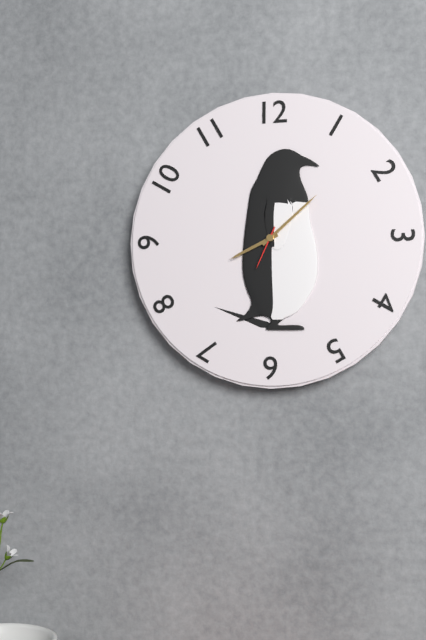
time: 8:08
